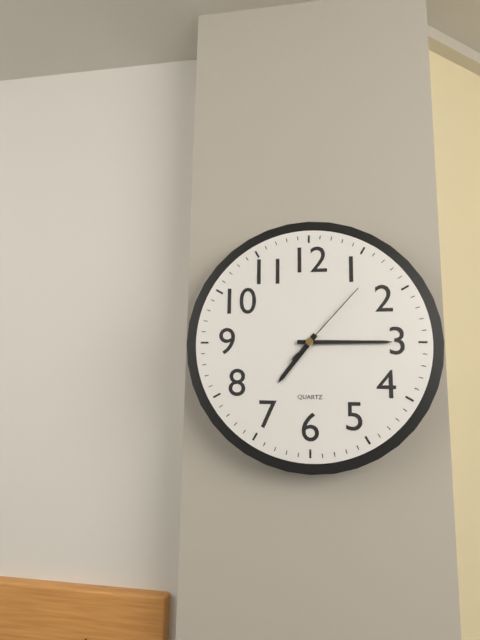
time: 7:15:07
